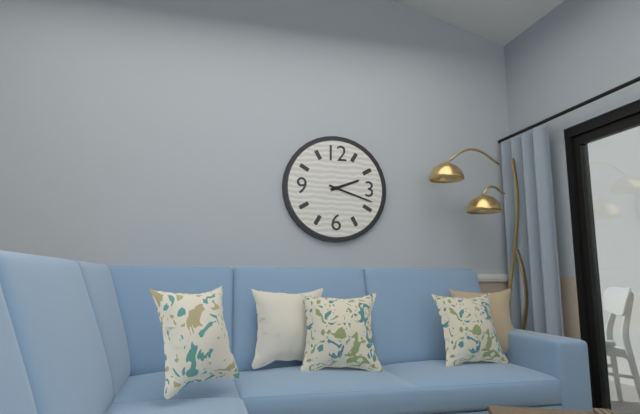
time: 2:18
